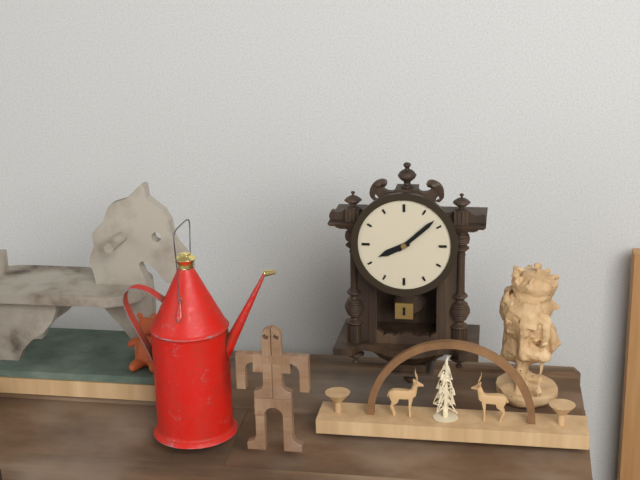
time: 8:08
